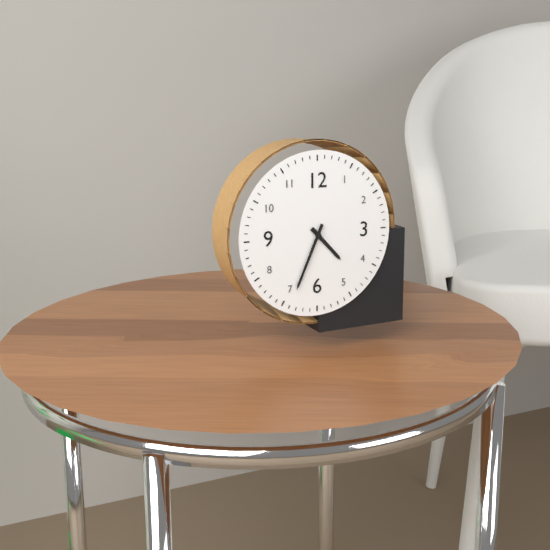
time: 4:34
